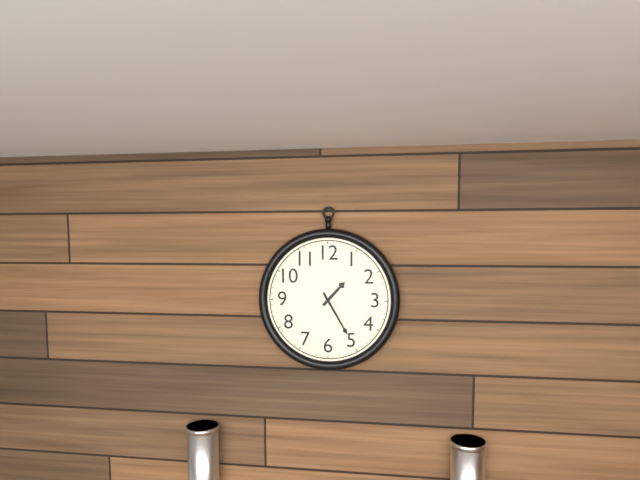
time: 1:25
